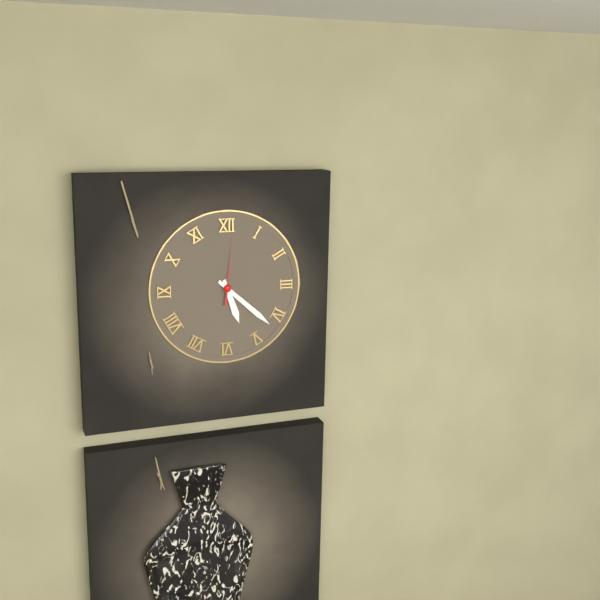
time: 5:22:01
